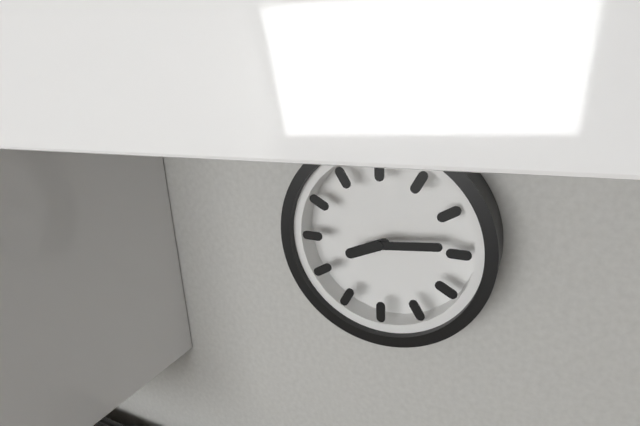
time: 8:14
